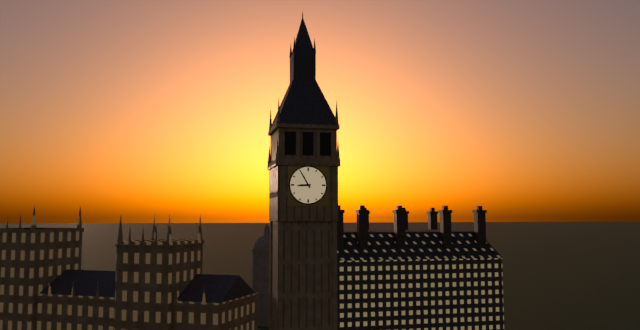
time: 8:55
